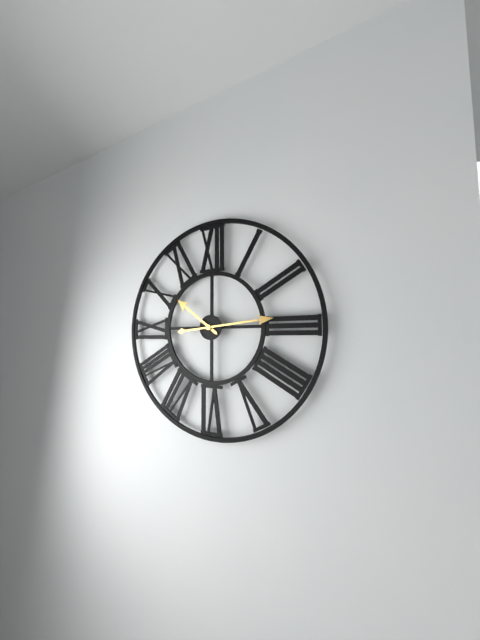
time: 10:14
